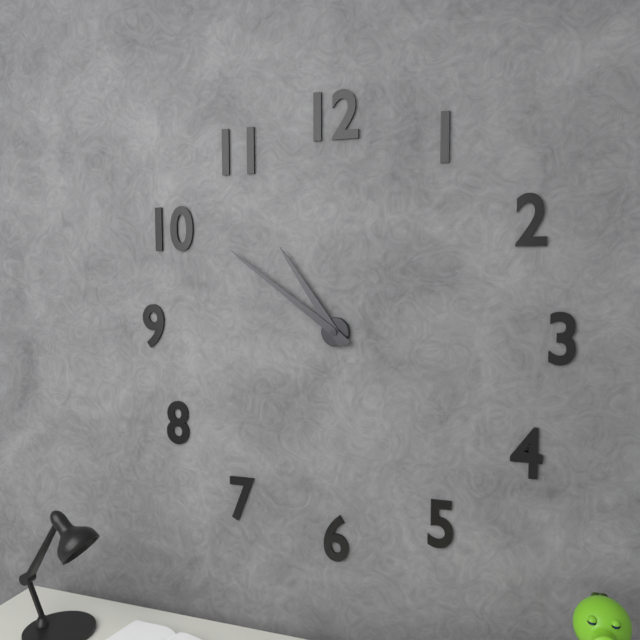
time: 10:51
